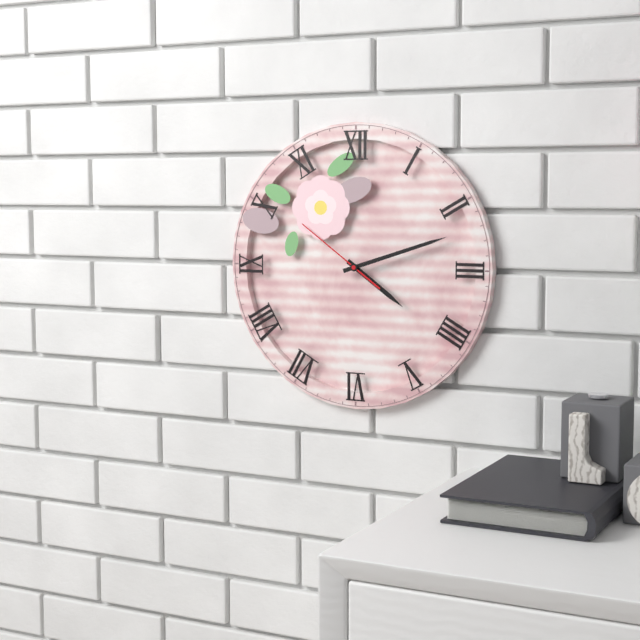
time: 4:12:51
